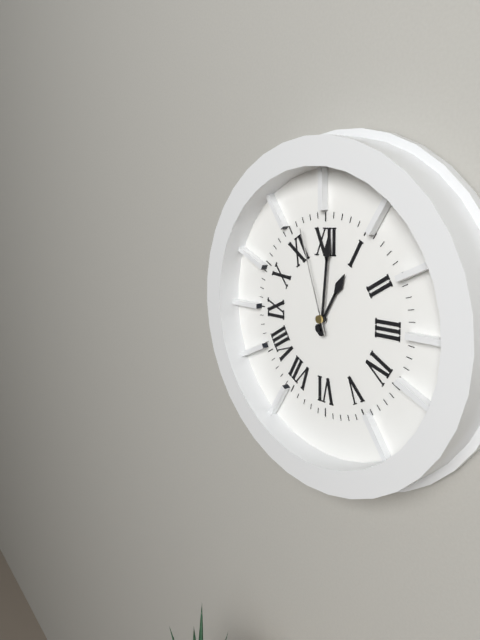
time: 1:01:57
